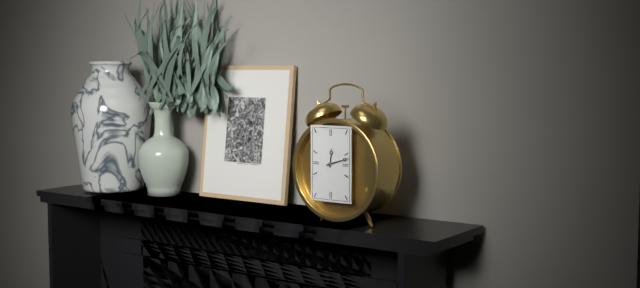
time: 12:12
